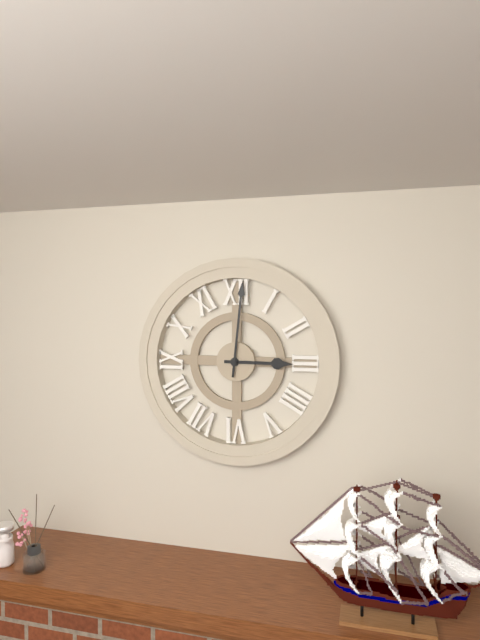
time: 3:01
